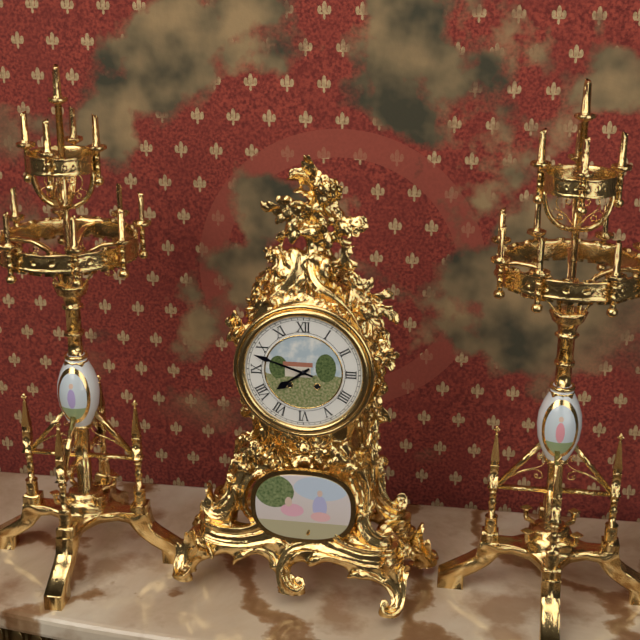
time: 7:48
